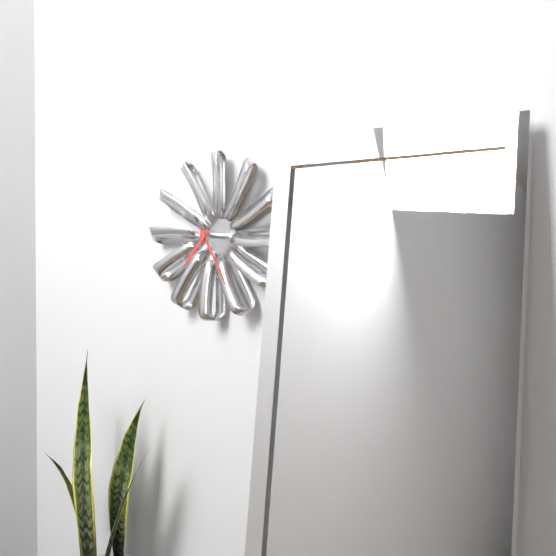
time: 7:25
